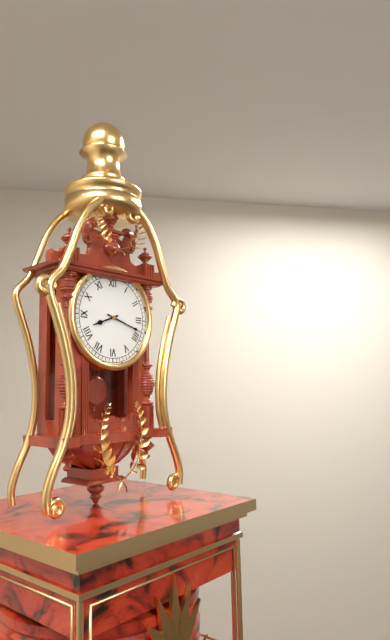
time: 8:18
